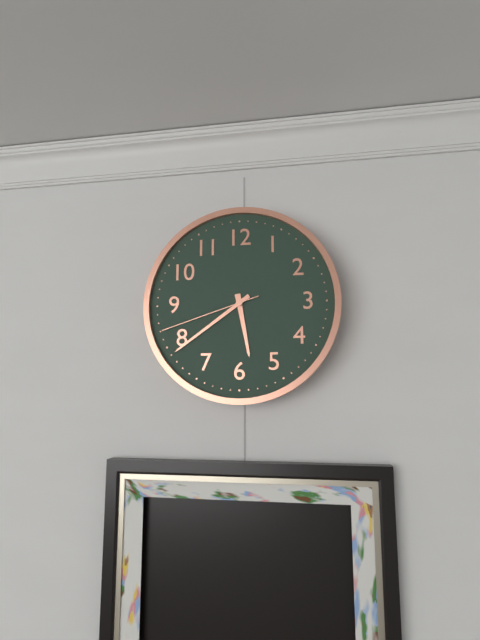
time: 5:39:42
